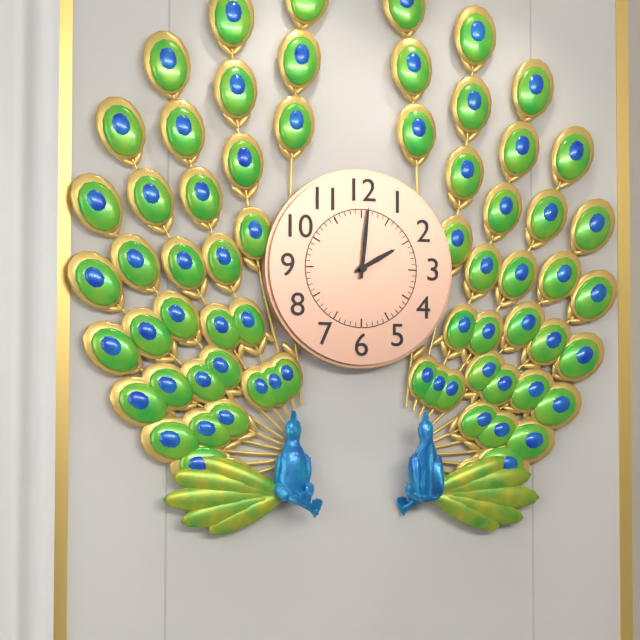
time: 2:01
